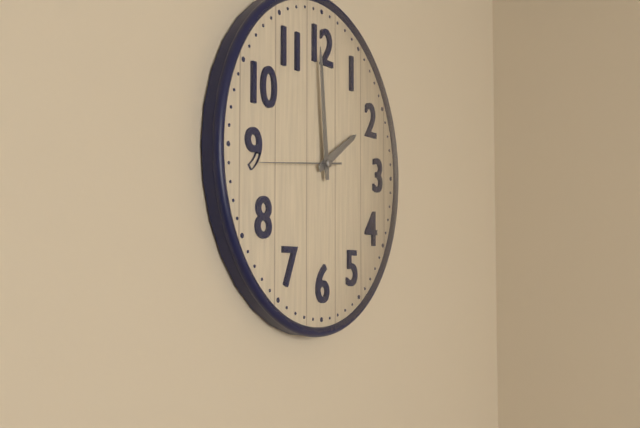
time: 1:59:44
